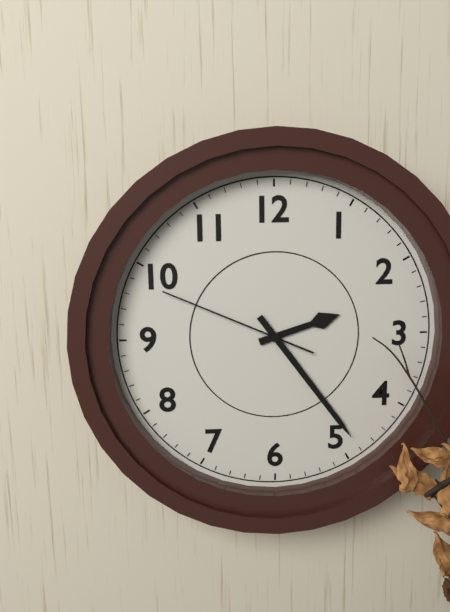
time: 2:24:49
